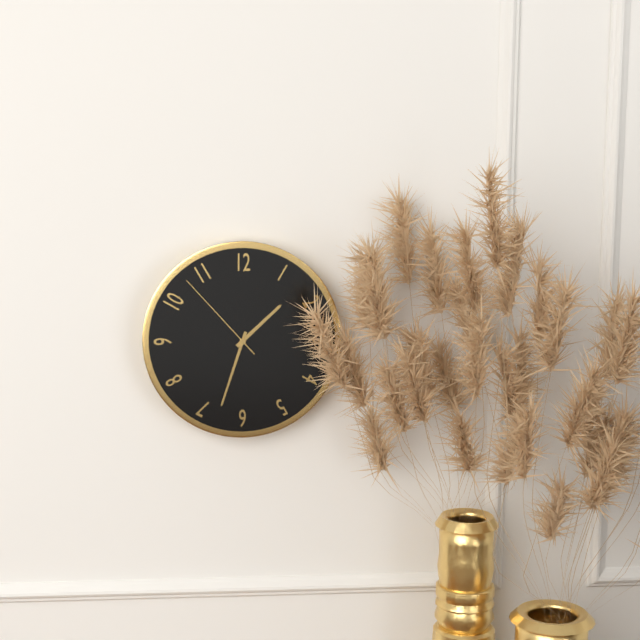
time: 1:33:53
